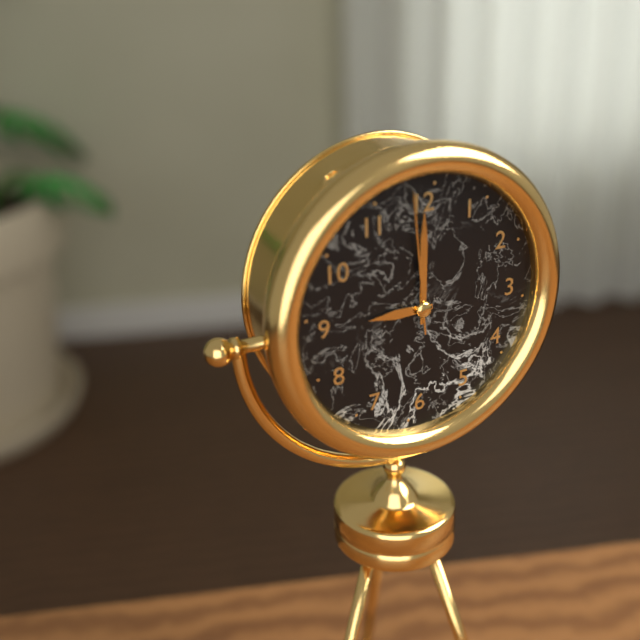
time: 9:00:59
